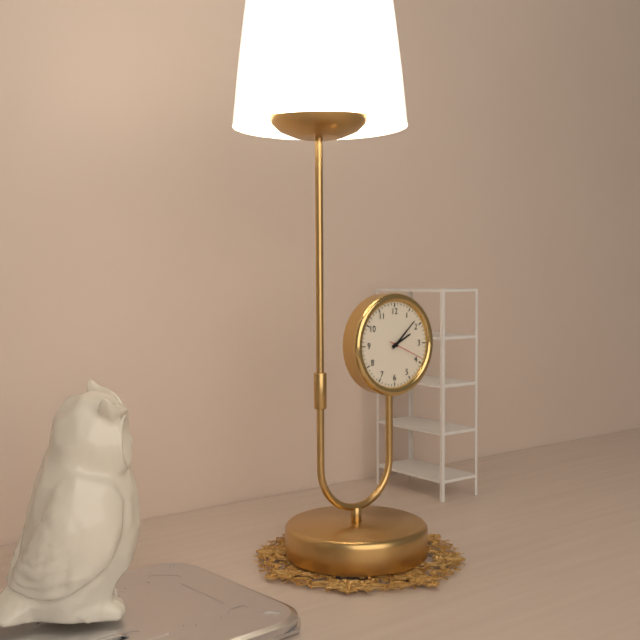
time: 2:08
